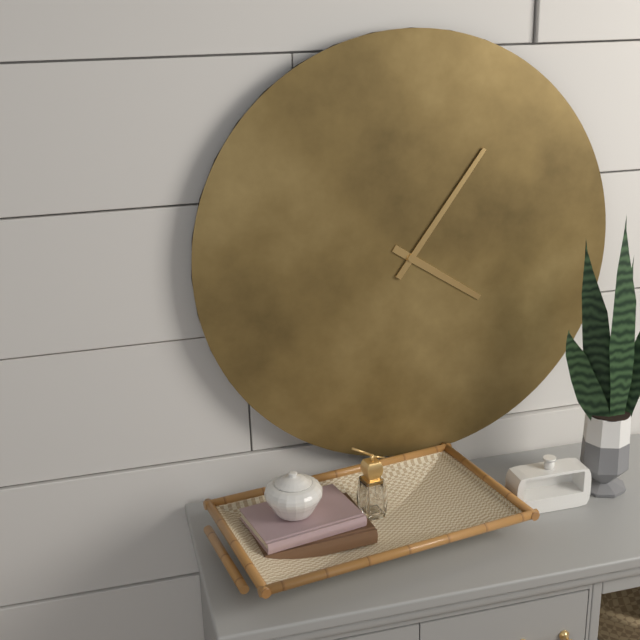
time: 4:06
